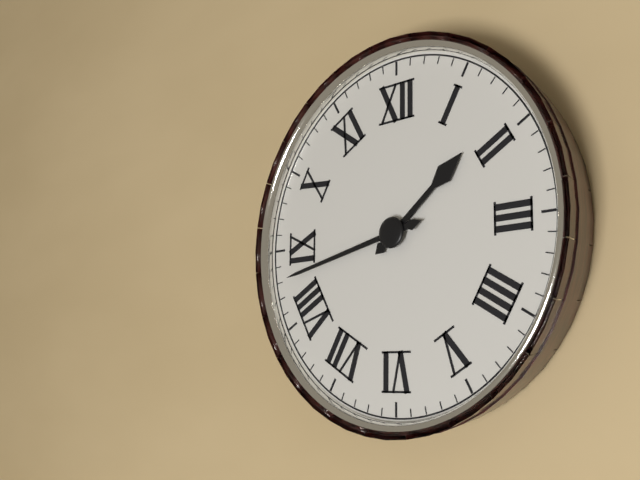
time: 1:43
